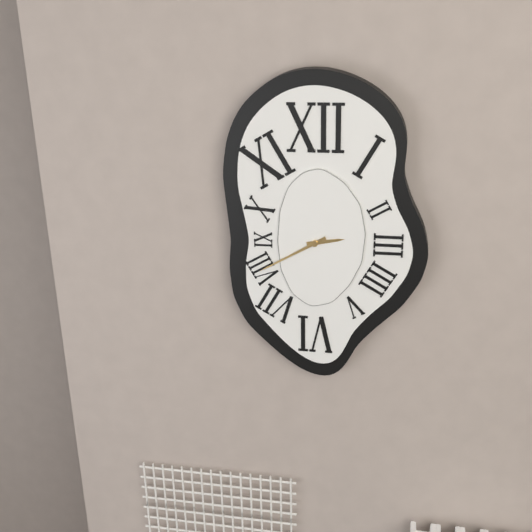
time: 2:40
